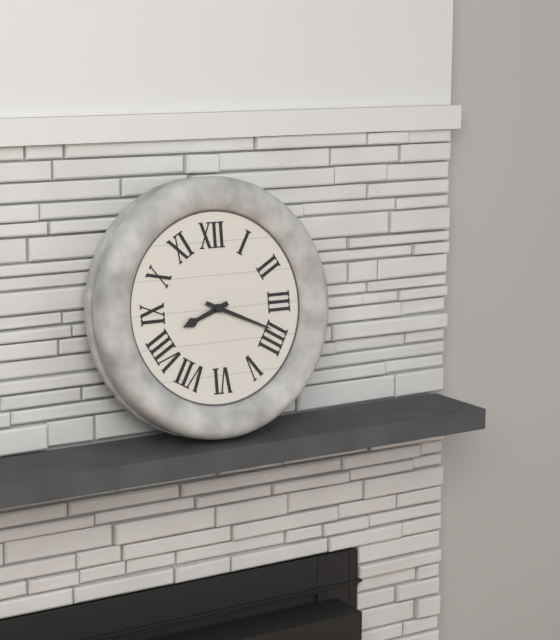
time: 8:19
